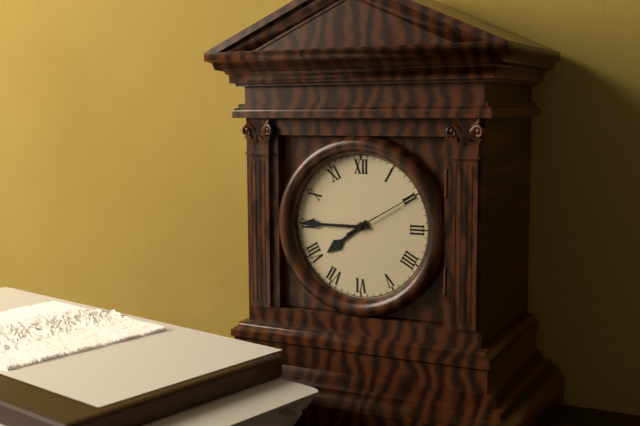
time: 7:45:10
